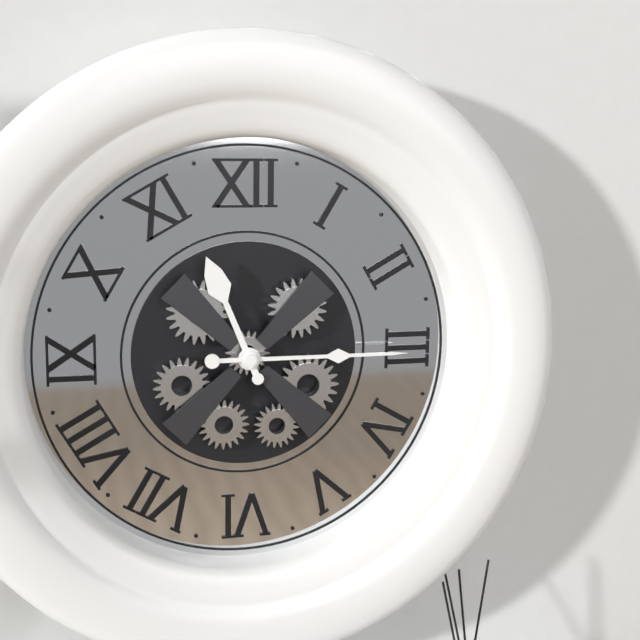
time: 11:15
